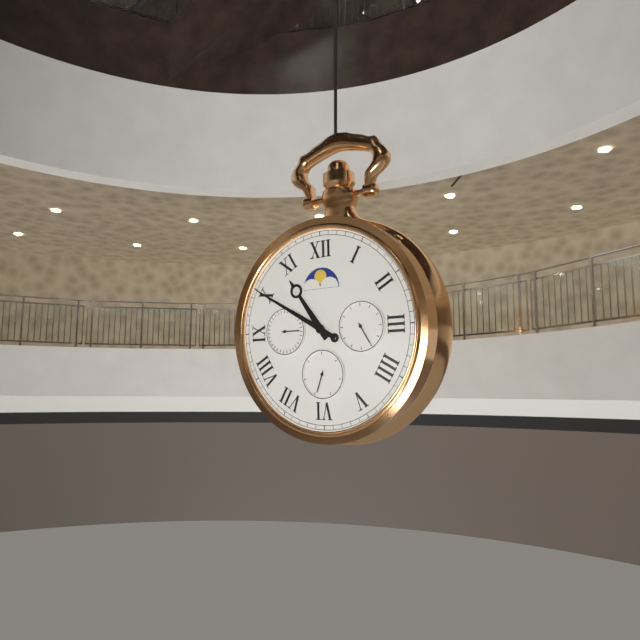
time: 10:50
